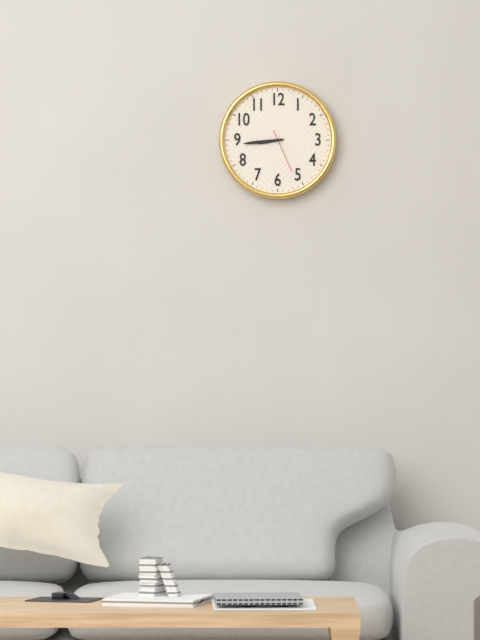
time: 8:44
